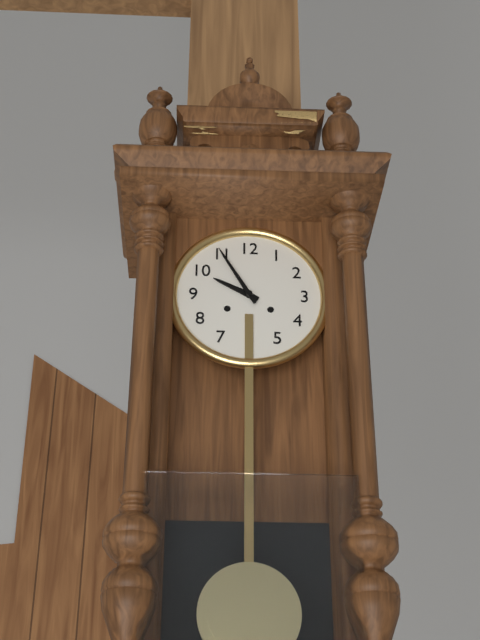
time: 9:55
